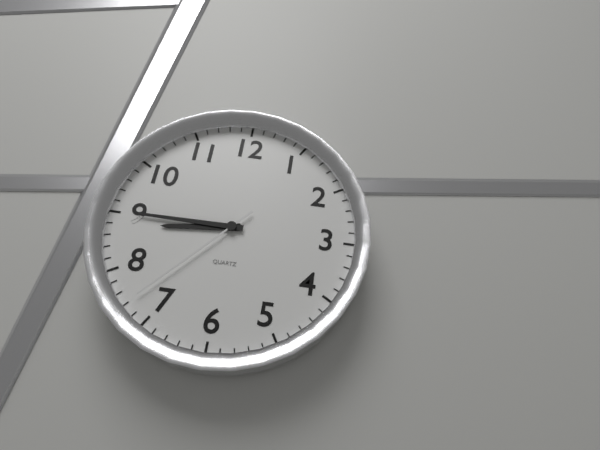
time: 8:45:37
